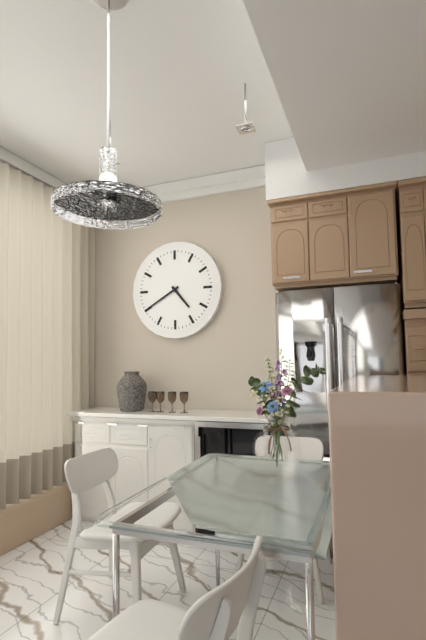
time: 4:40
